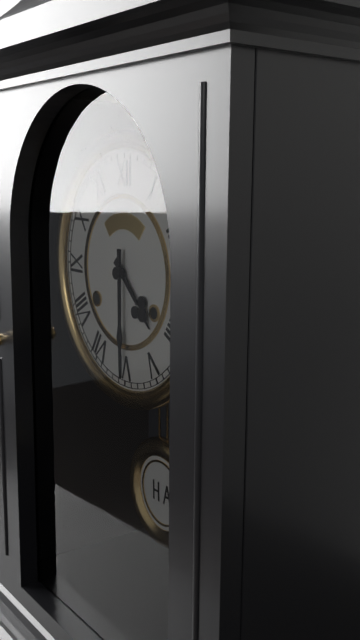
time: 4:30
